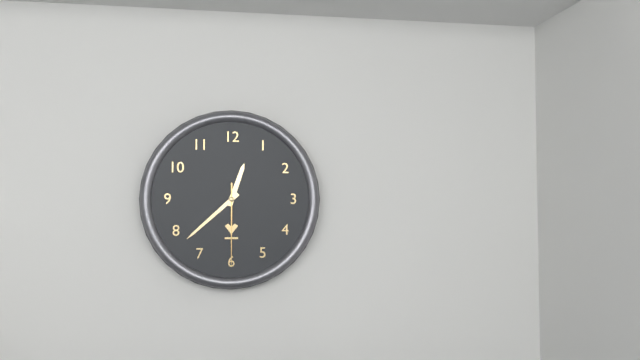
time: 12:38:30
